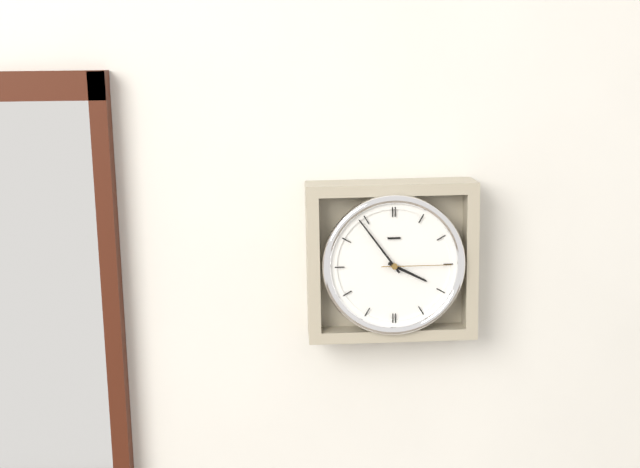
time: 3:54:15
